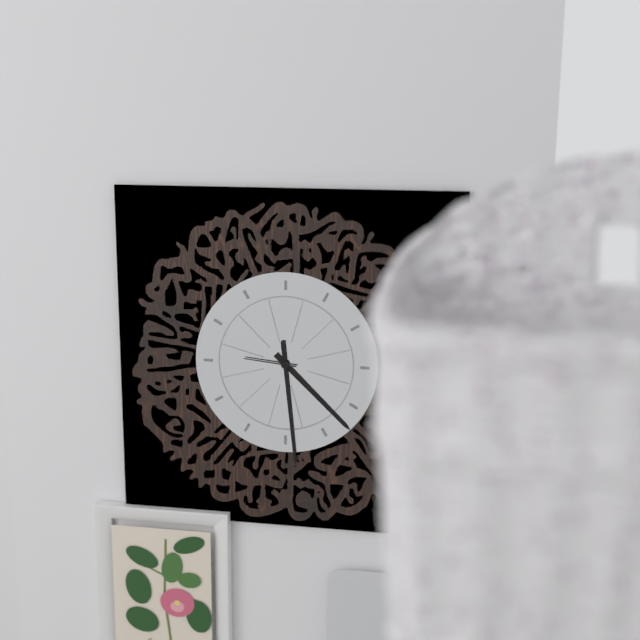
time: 4:29:46
